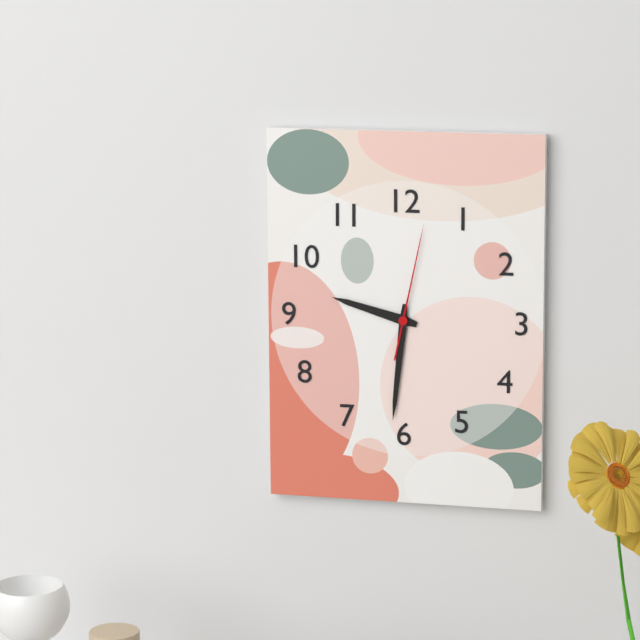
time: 9:31:02
